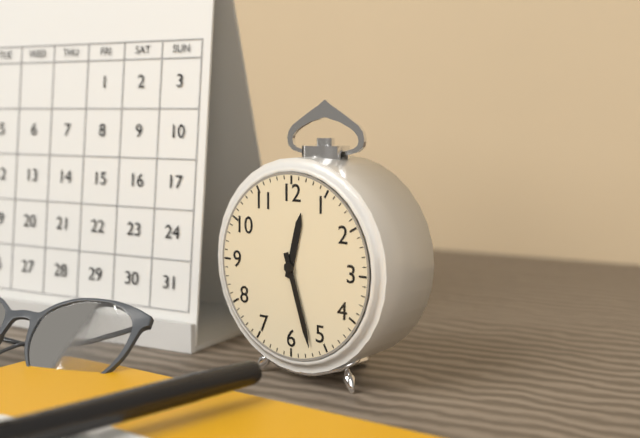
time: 12:27
